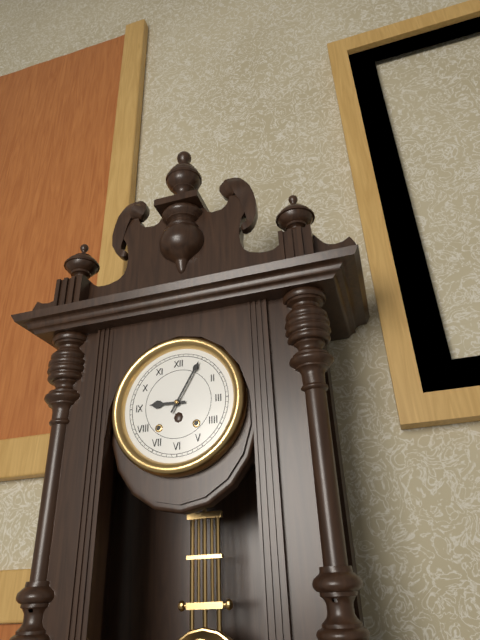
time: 9:05
